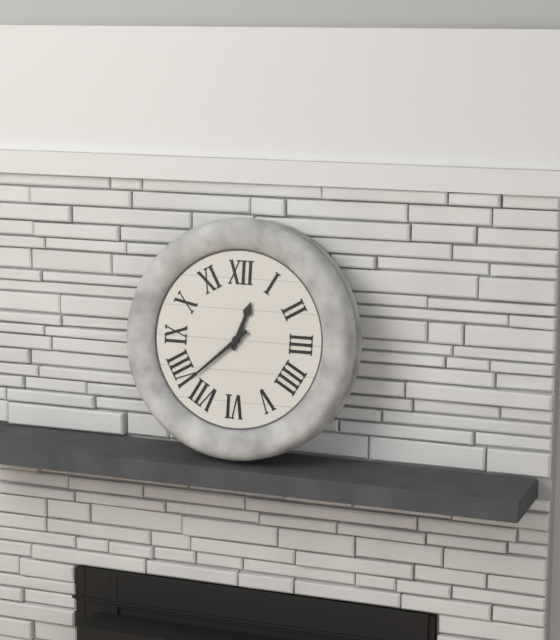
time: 12:38
